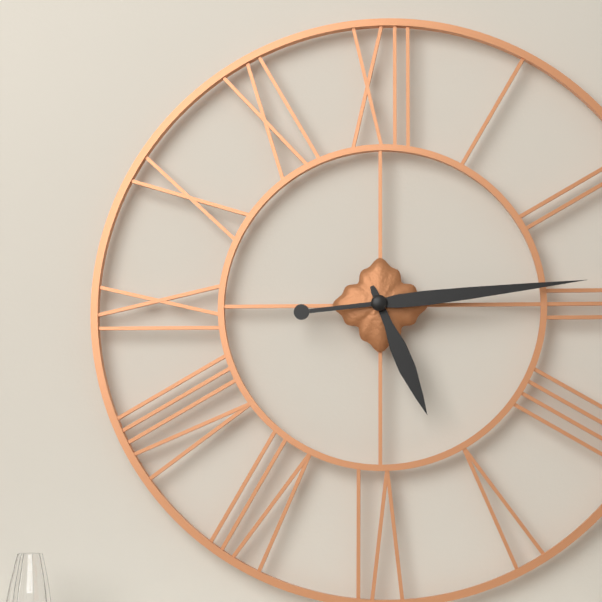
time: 5:14
